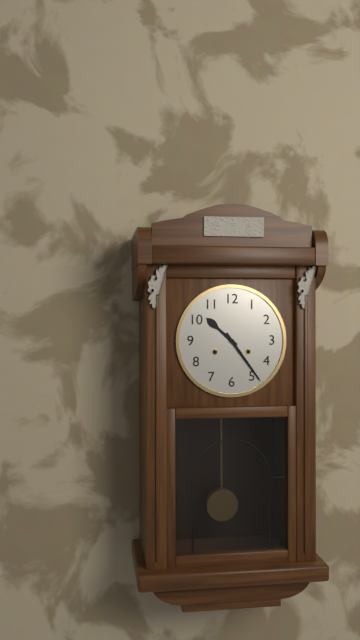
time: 10:24
